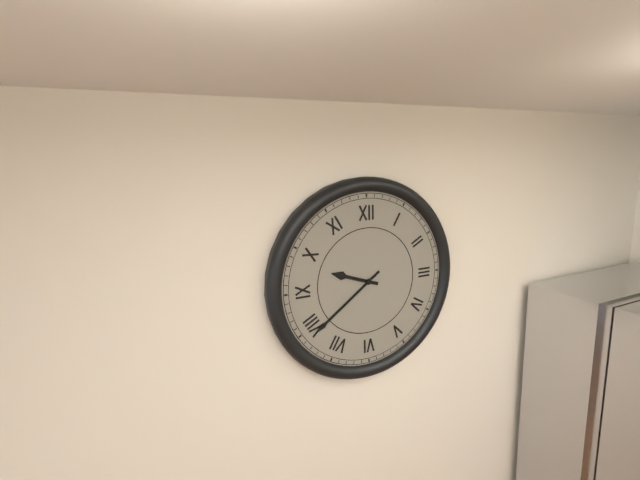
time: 9:39
